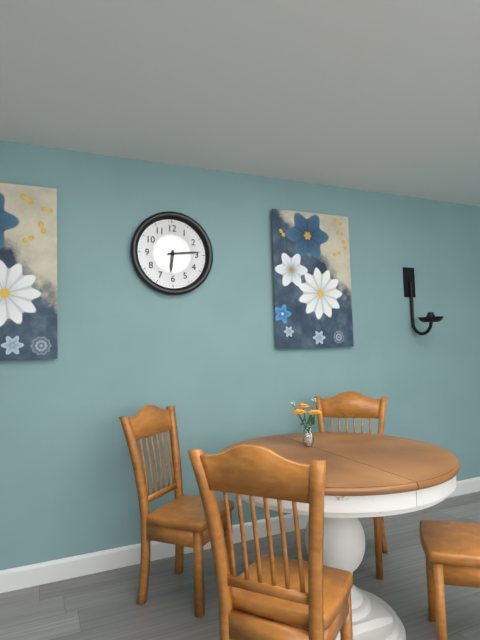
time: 6:14
